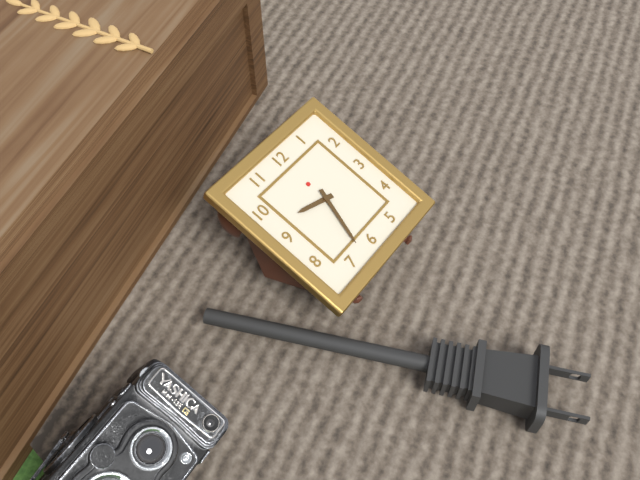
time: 9:33
